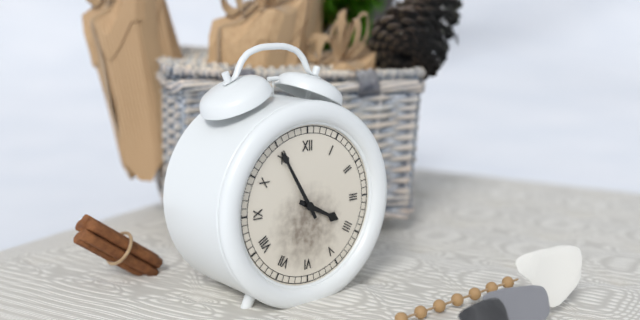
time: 3:55
